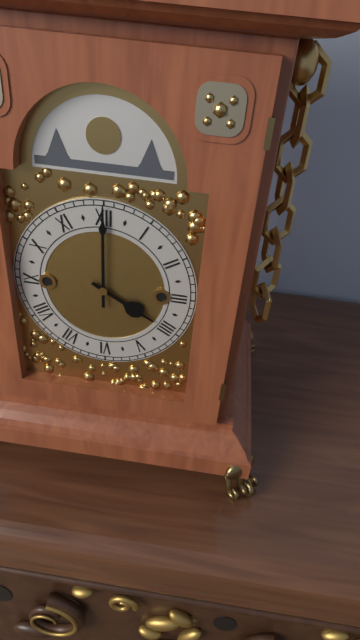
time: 4:00
